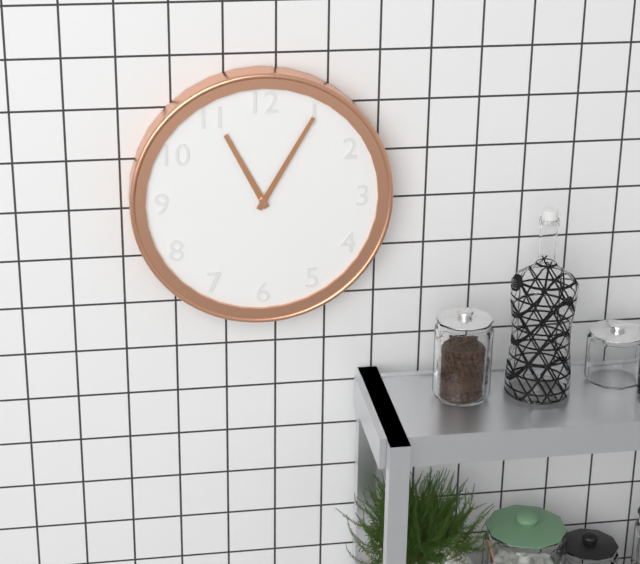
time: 11:05
